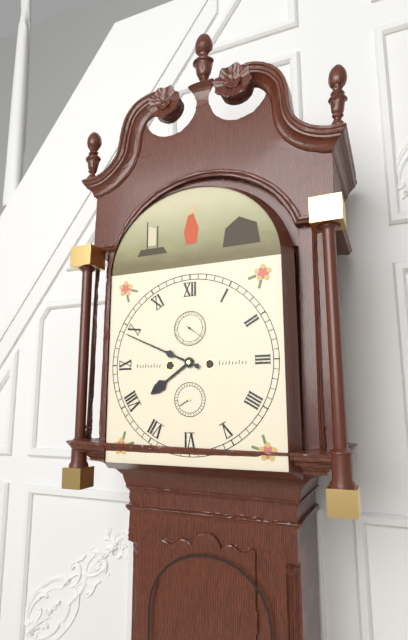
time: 7:49
